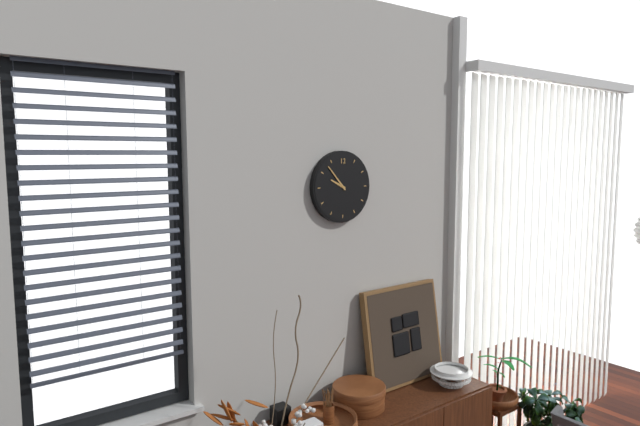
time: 9:53
